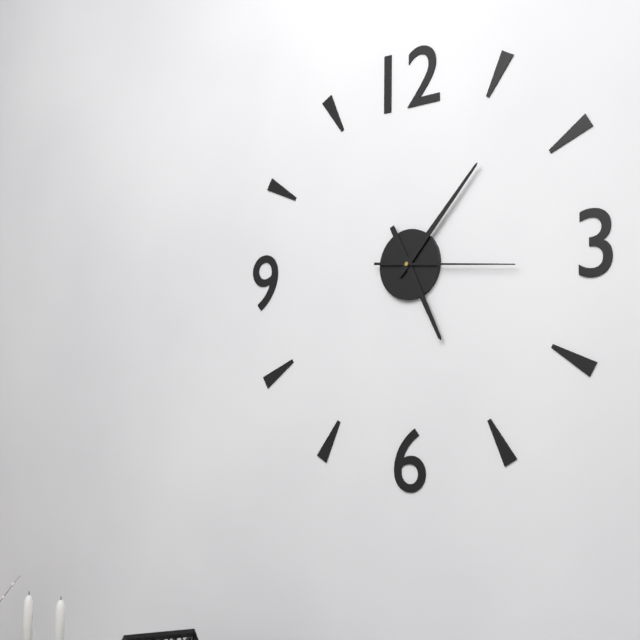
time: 5:07:16
